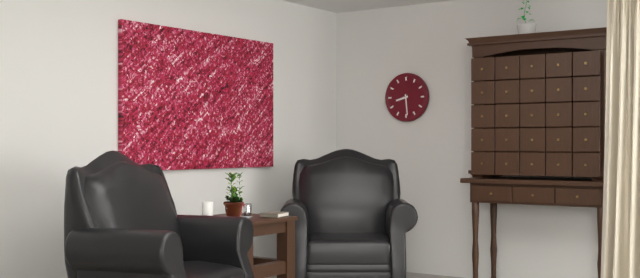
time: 8:29
